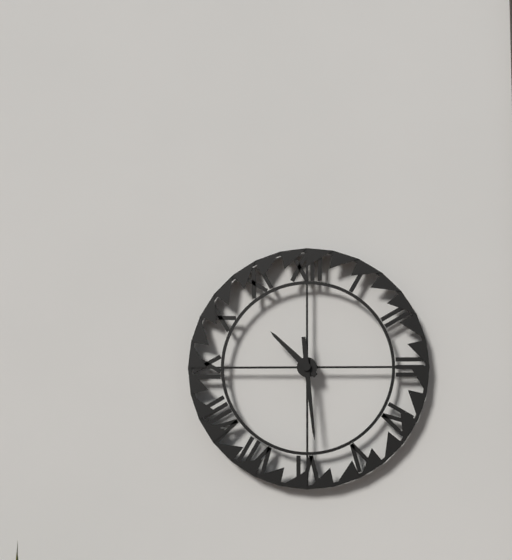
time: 10:29
